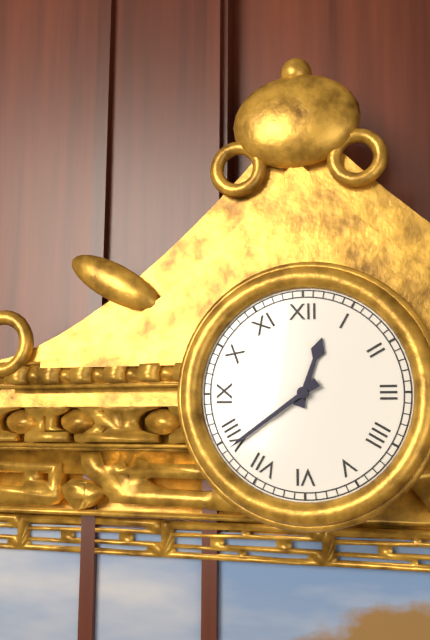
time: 12:39
